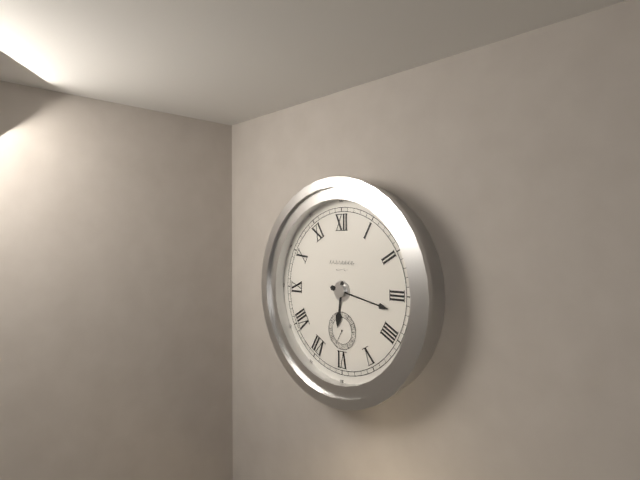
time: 6:17
